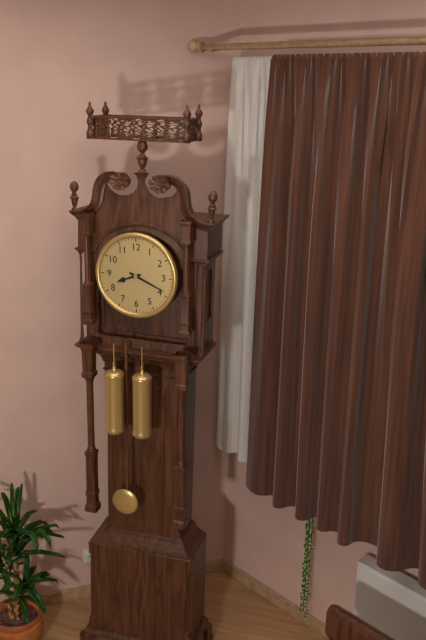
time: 8:19
